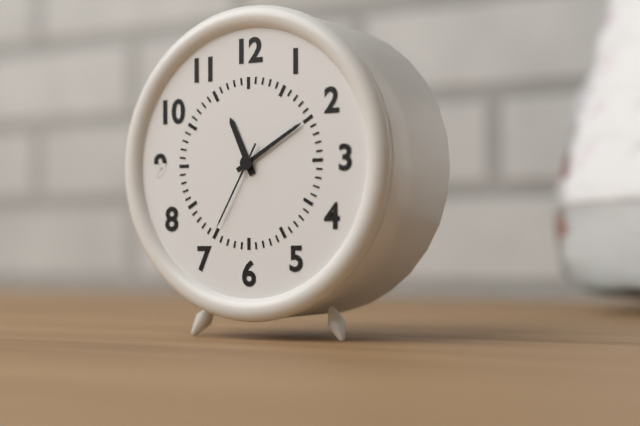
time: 11:10:35
